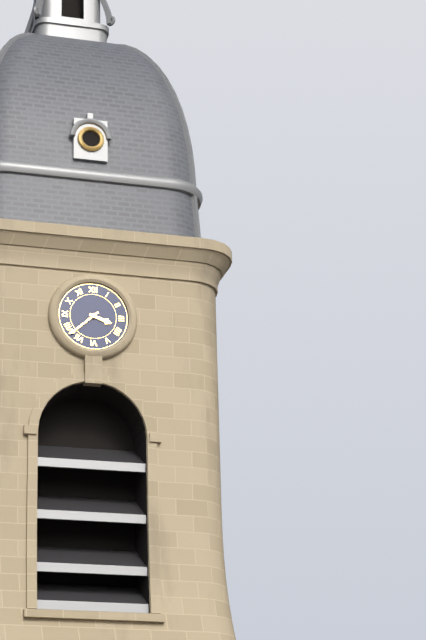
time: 3:38
